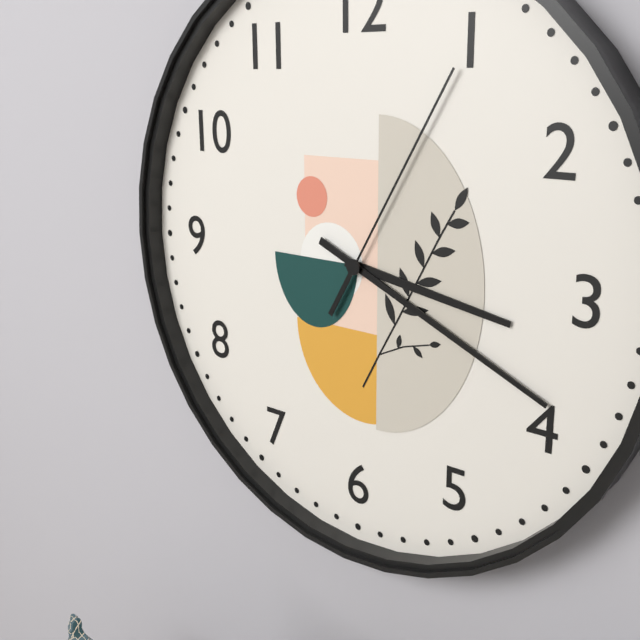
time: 3:19:05
